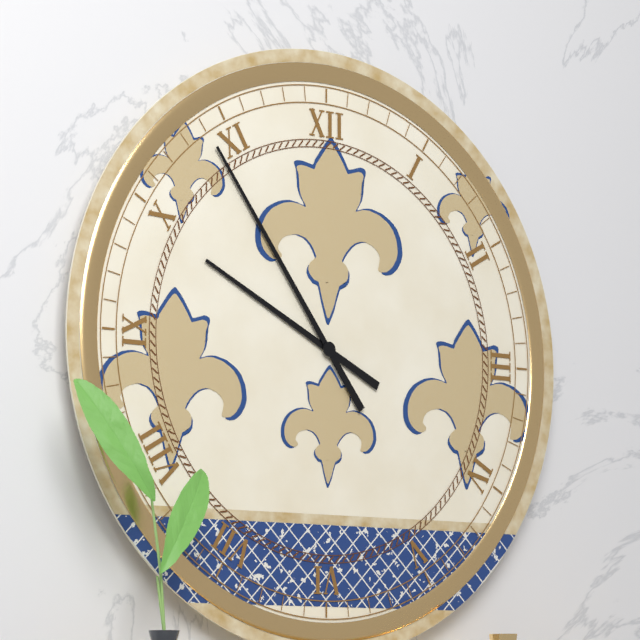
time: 9:54
